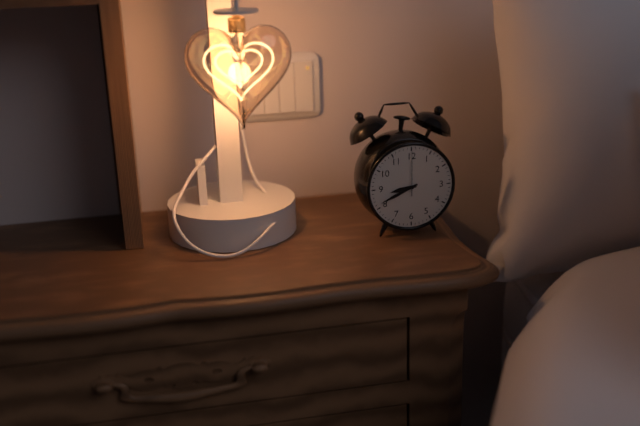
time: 8:41
